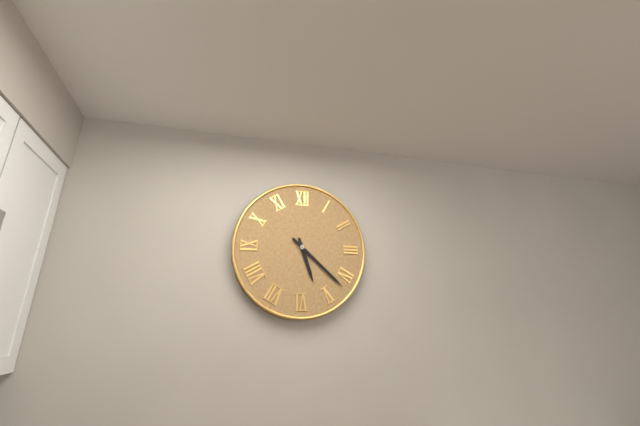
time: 5:22
